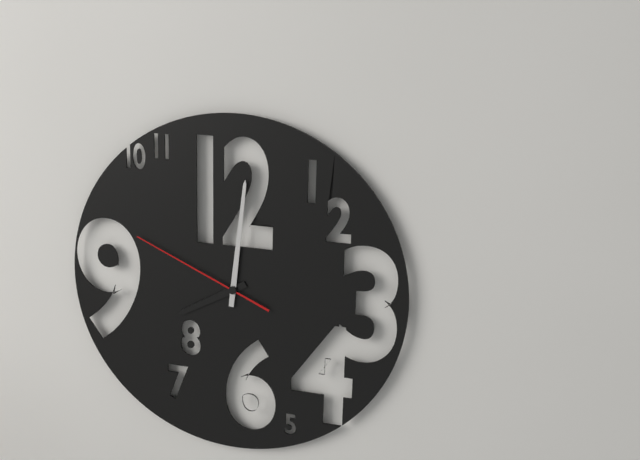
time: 8:01:49
